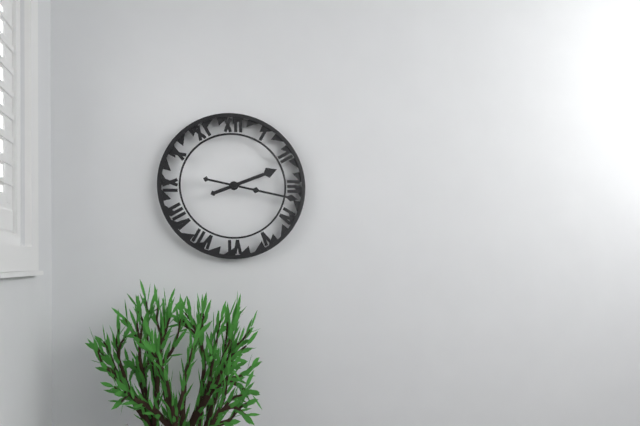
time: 2:17
